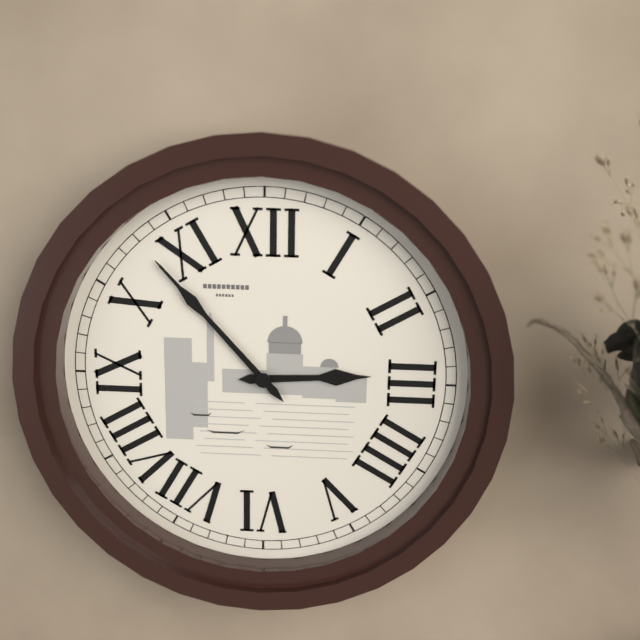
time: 2:53
